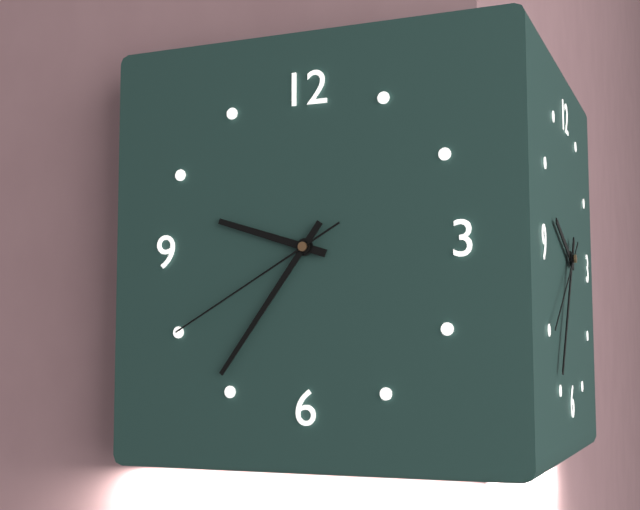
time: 9:36:40
